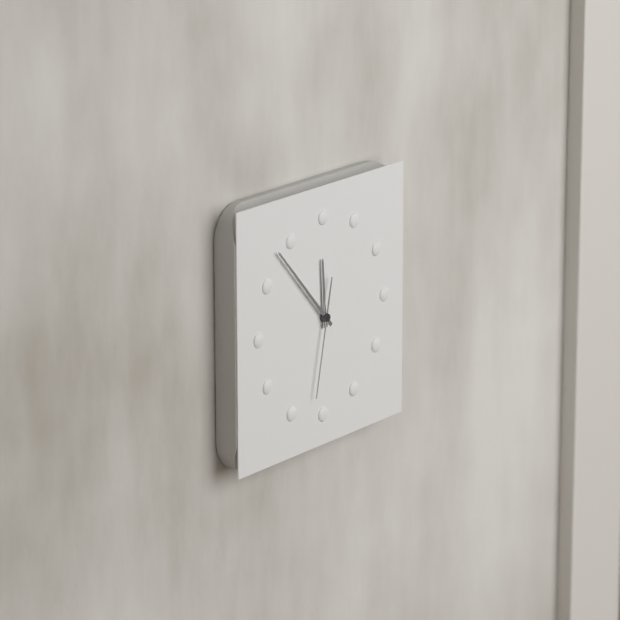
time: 11:53:32
